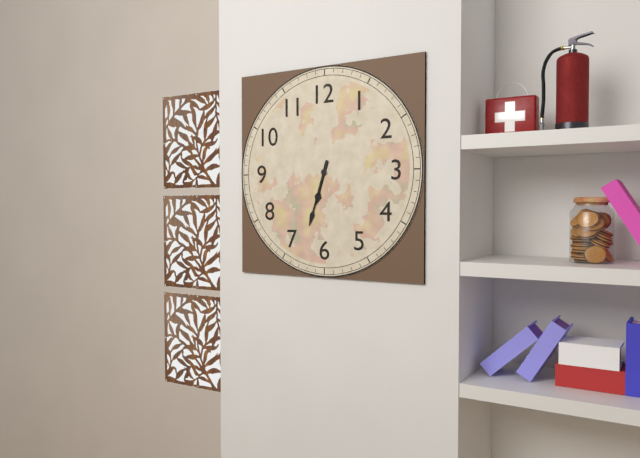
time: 6:33
